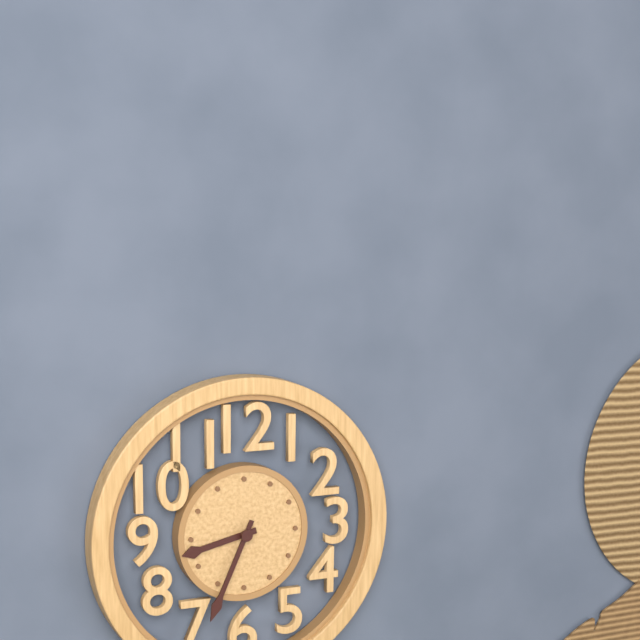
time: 8:34
